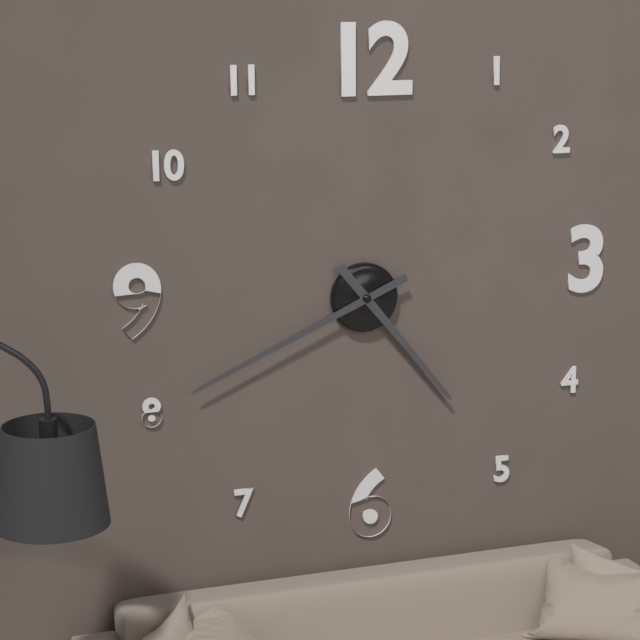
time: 4:41
